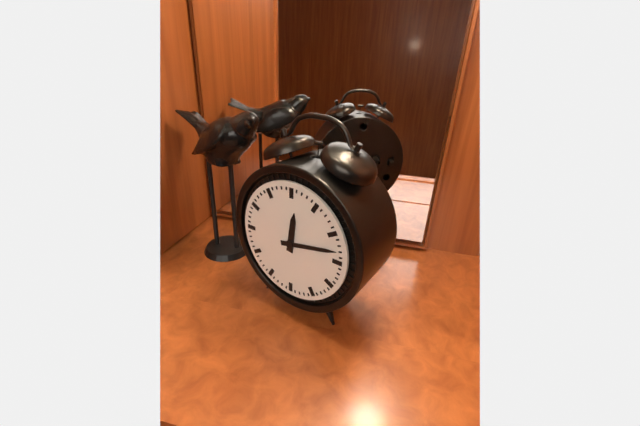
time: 12:13
